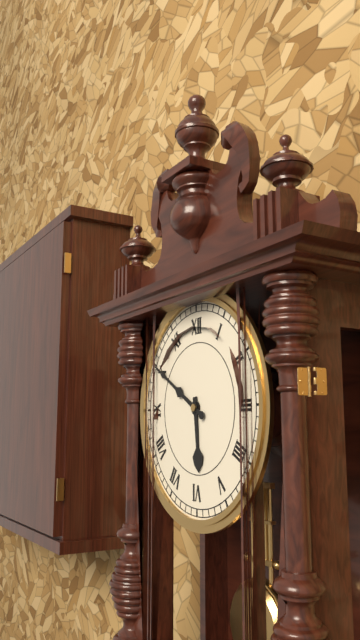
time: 5:50
